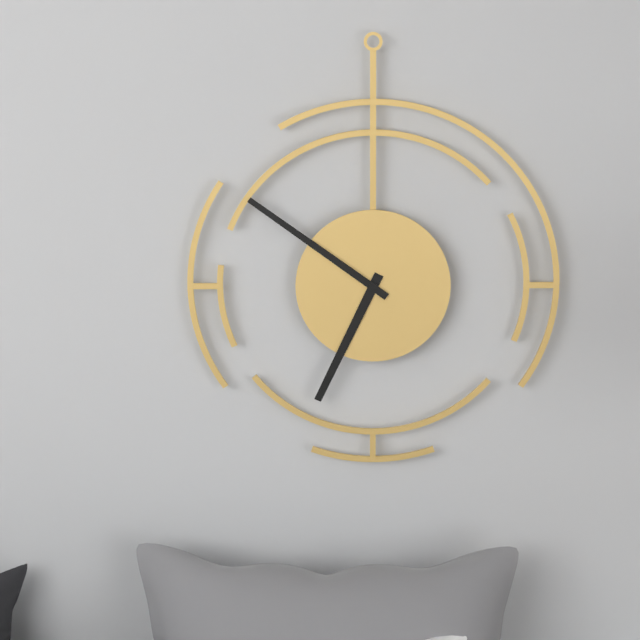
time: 6:51
